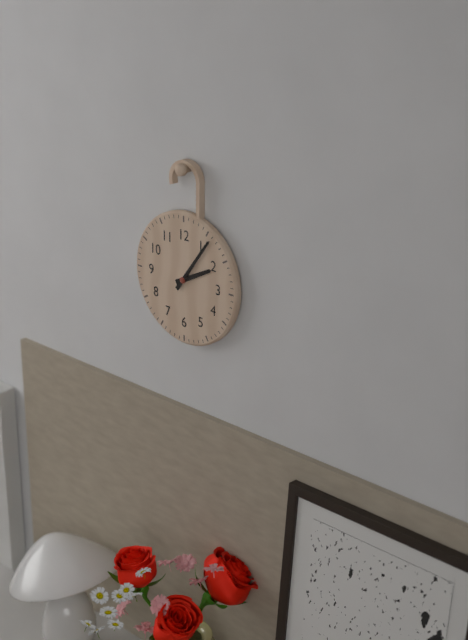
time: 2:06
